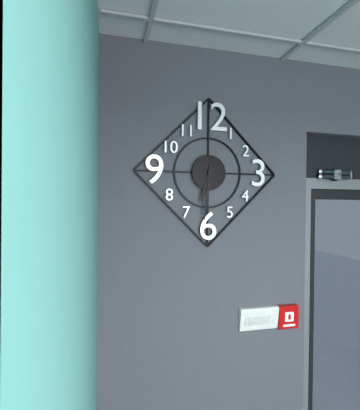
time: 6:31
